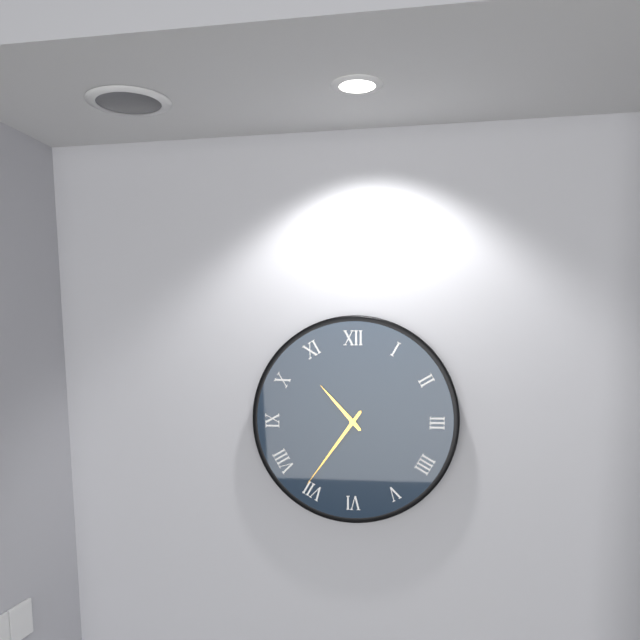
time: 10:36
